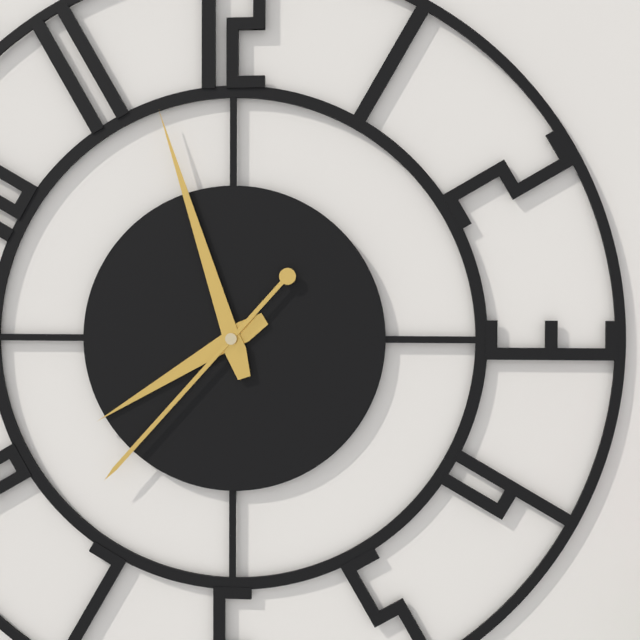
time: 7:57:37
